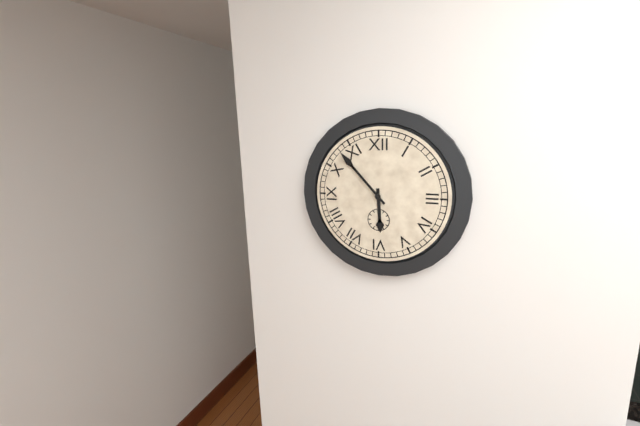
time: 5:53
